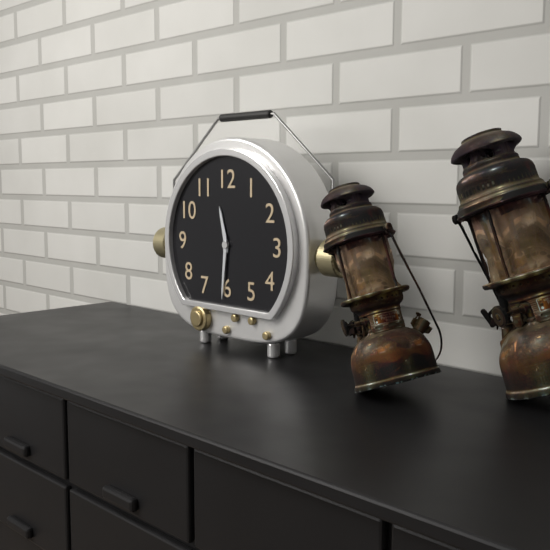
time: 11:31
